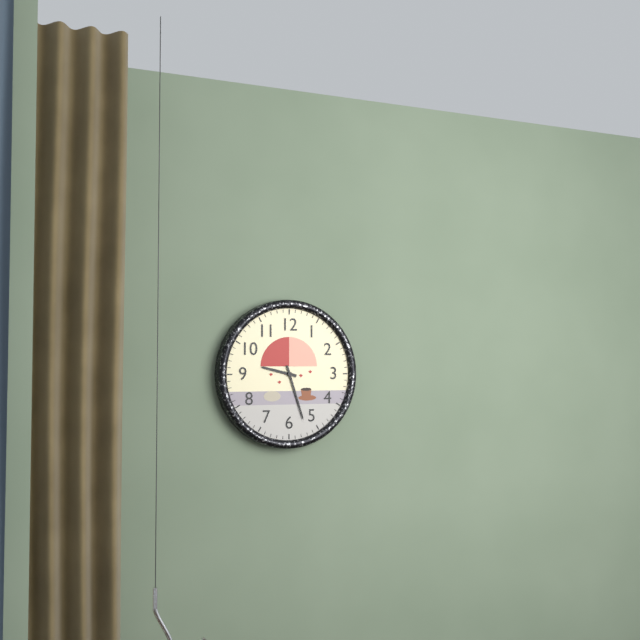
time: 9:27
